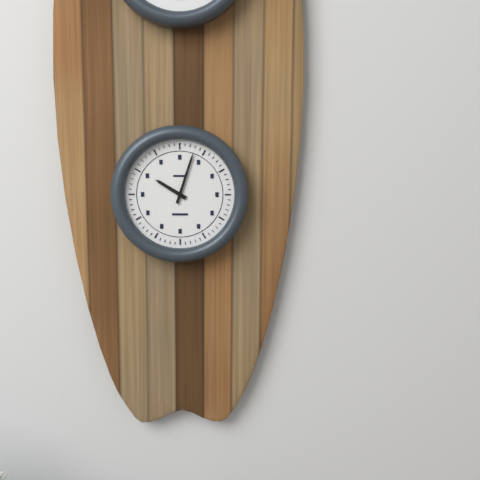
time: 10:03
